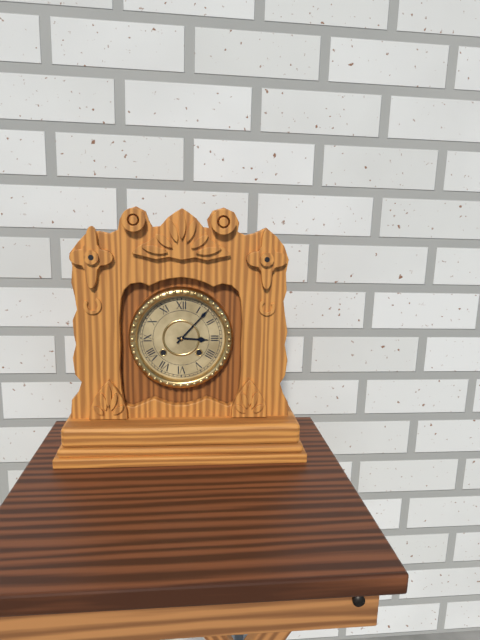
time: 3:07
